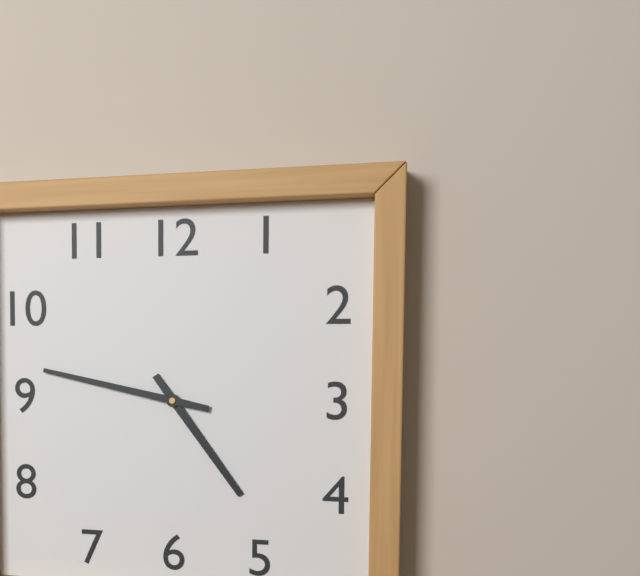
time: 4:47
